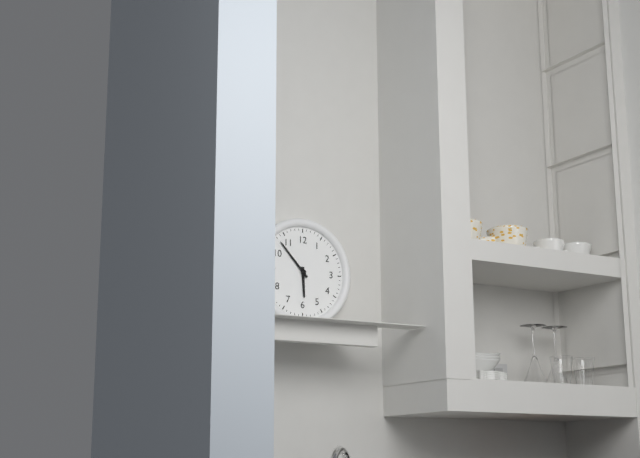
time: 5:53
